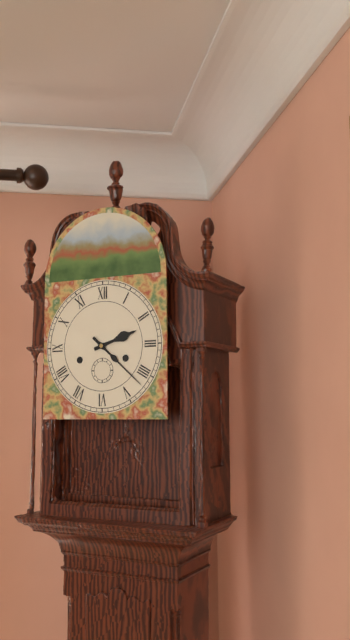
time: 2:22
